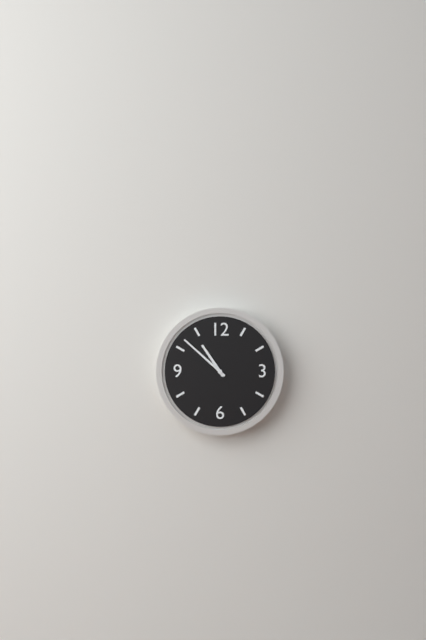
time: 10:52
